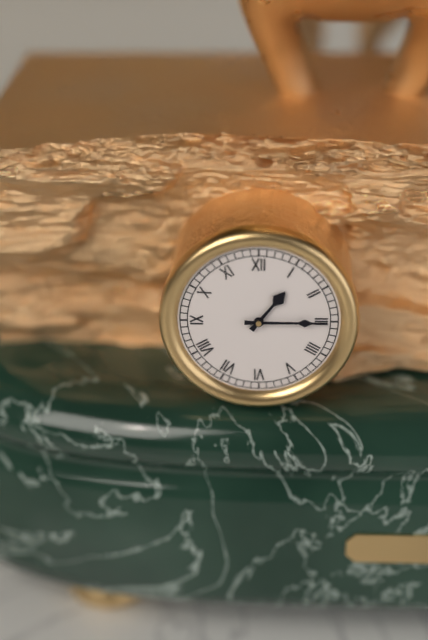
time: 1:15
